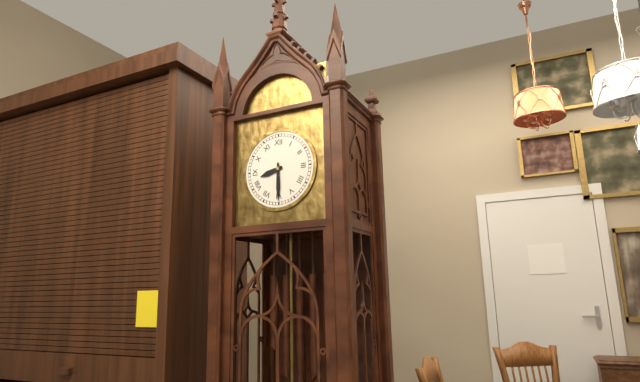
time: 8:30
